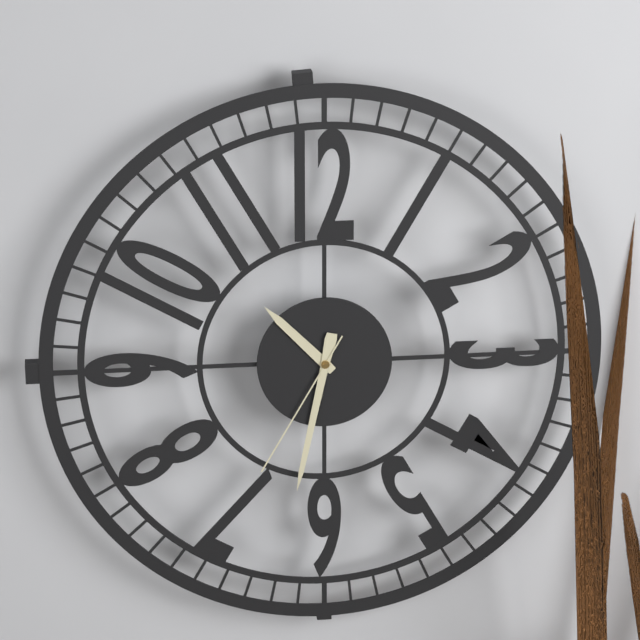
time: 10:32:35
